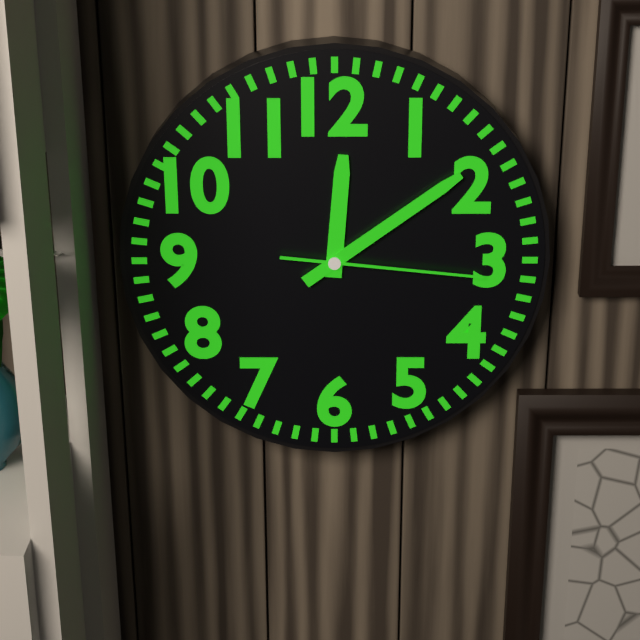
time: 12:09:16
